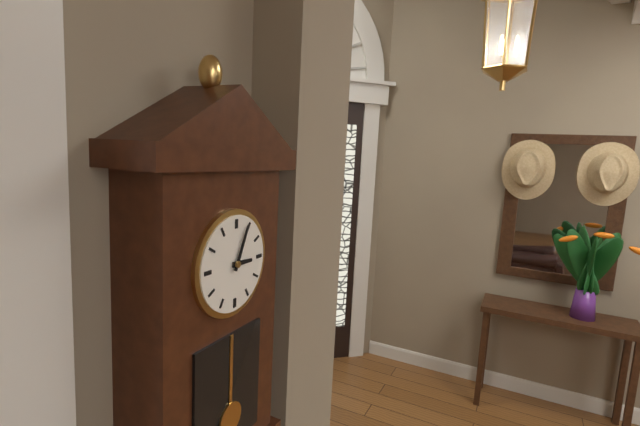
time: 3:04
